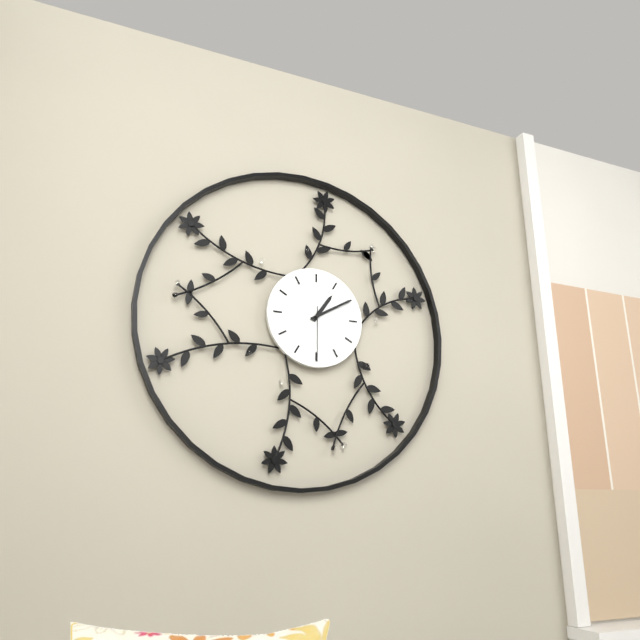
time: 1:10:30
